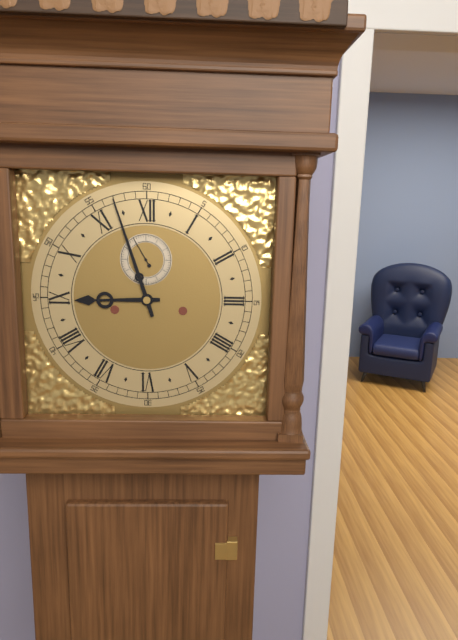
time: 8:57
